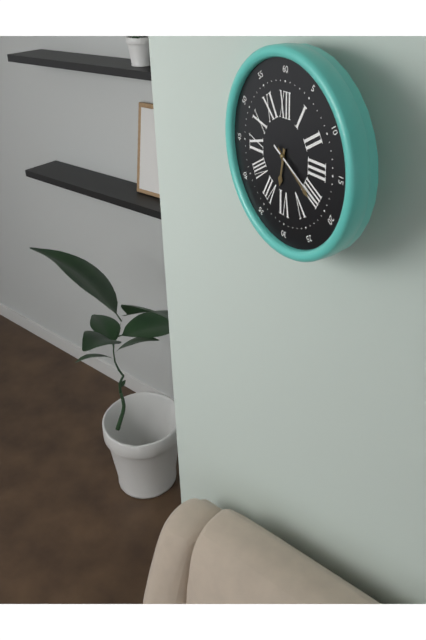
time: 6:21:20
